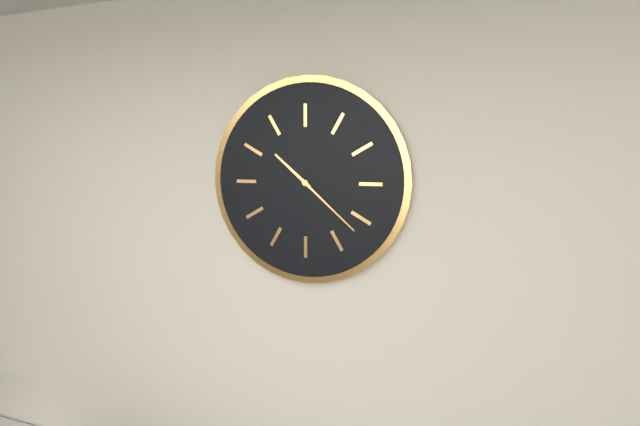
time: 10:22
